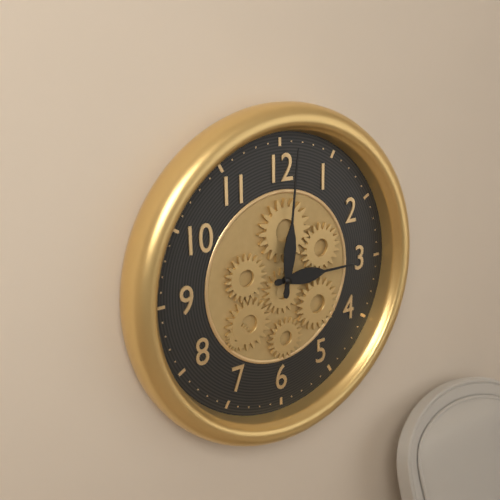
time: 3:01
